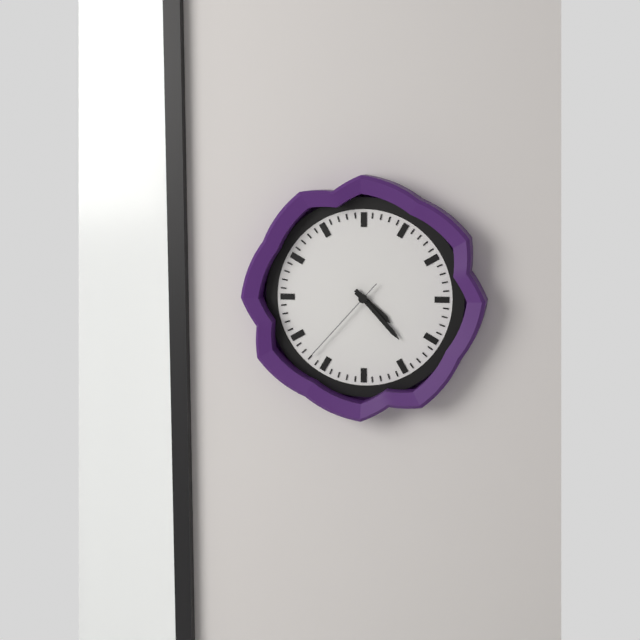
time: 4:23:37
